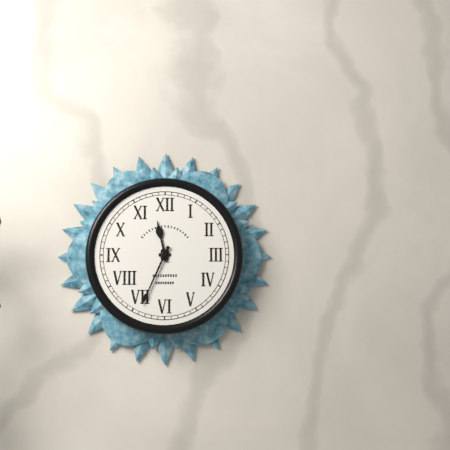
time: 11:34
